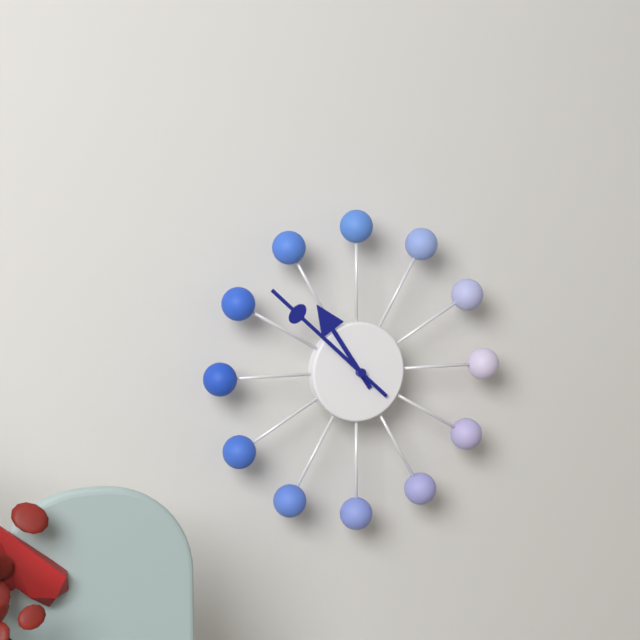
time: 10:52
